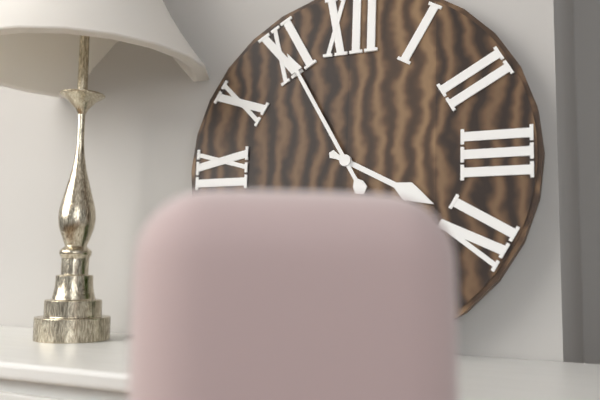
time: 3:55
